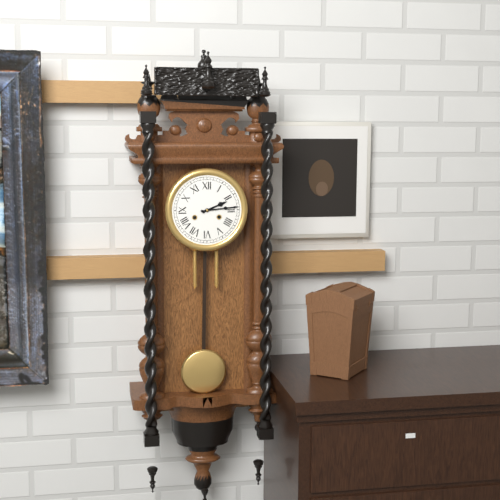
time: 2:14
